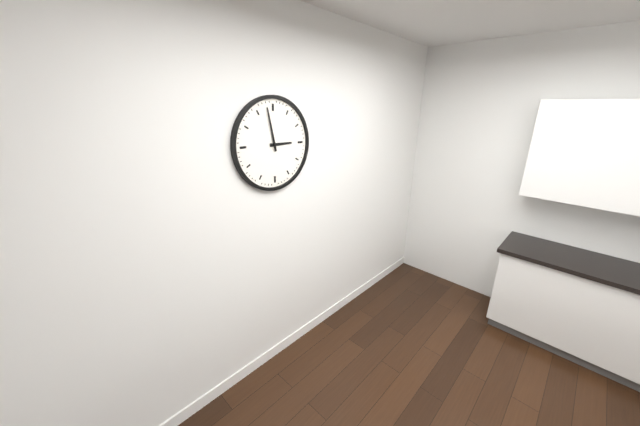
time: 2:58
